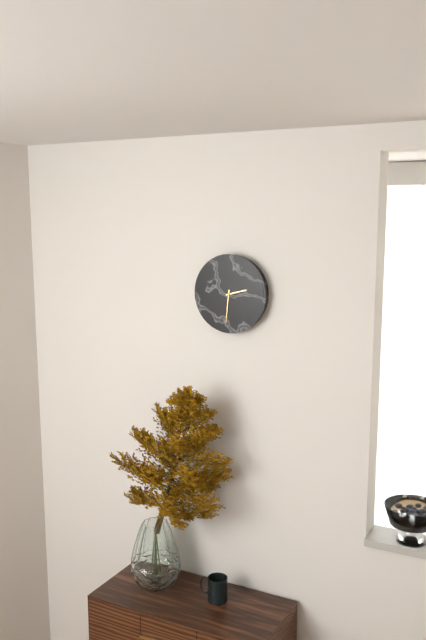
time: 2:31
